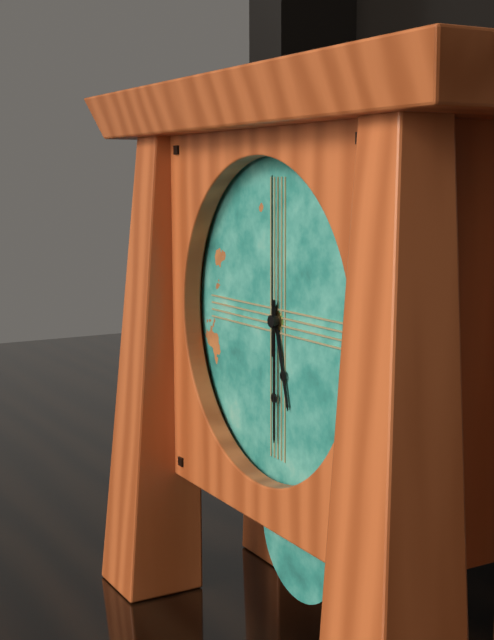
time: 5:30:00
